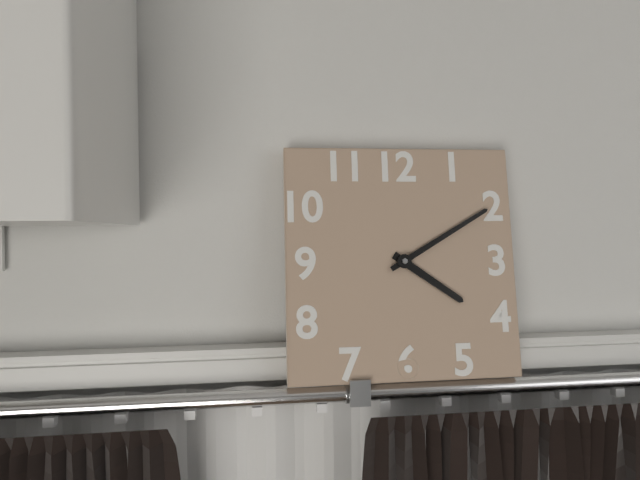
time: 4:10
